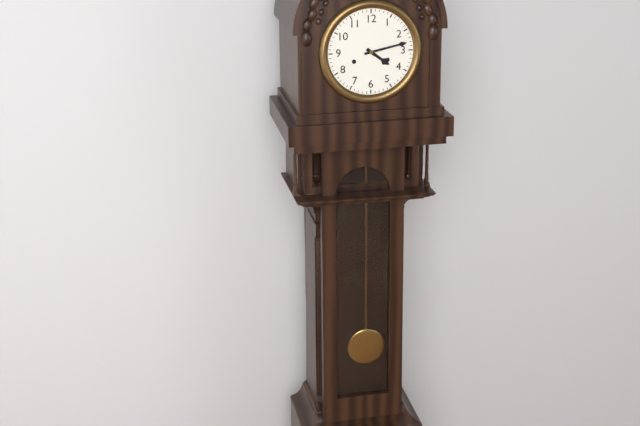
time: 4:13
